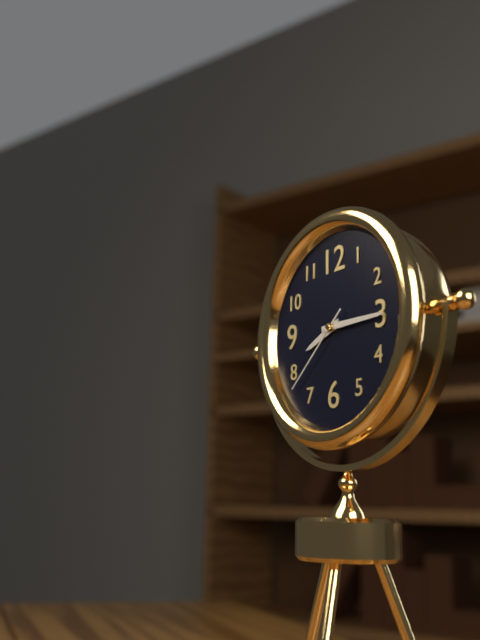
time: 8:15:38
